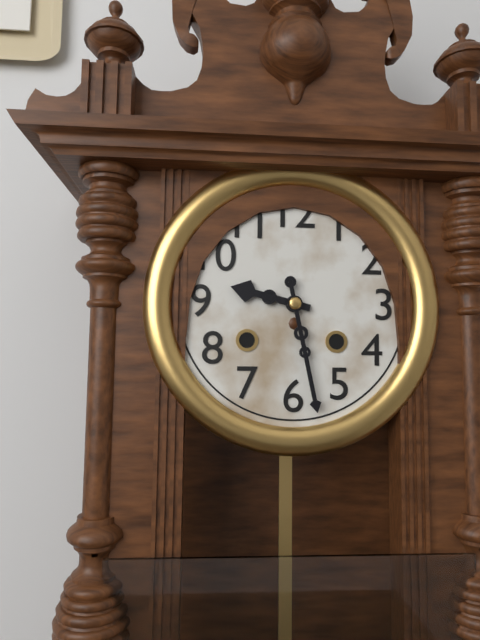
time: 9:28
